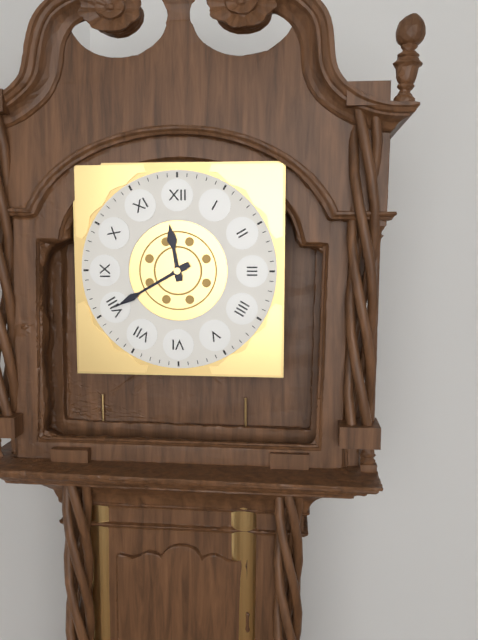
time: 11:40
